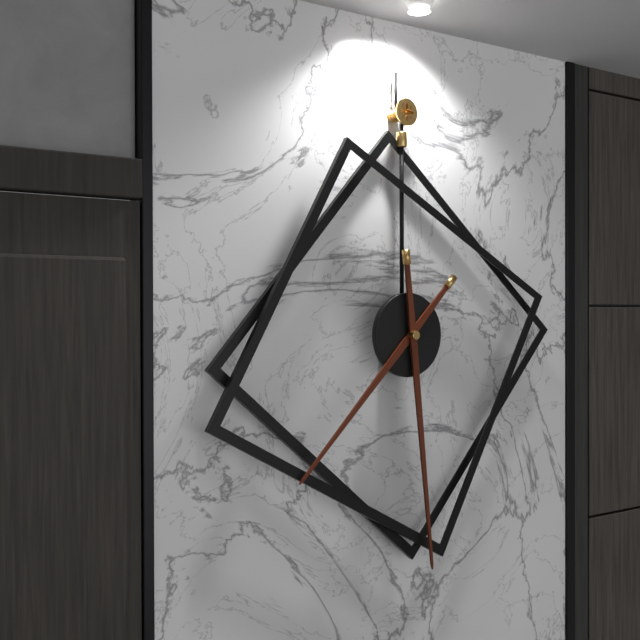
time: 7:29
